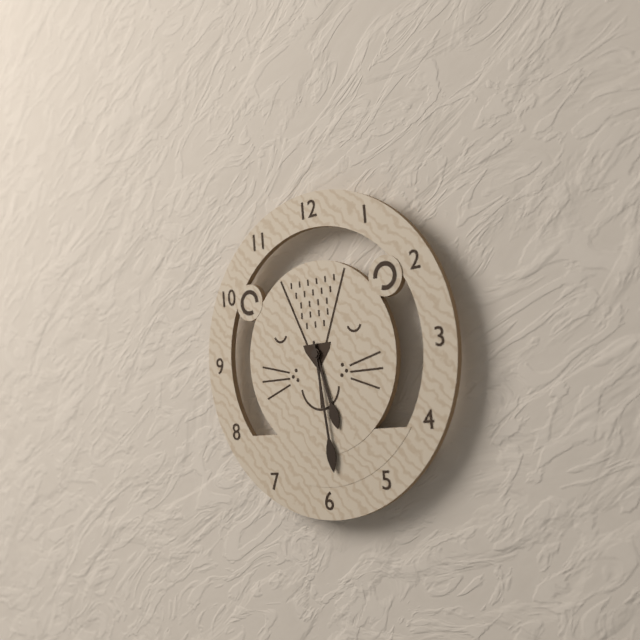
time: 5:29
